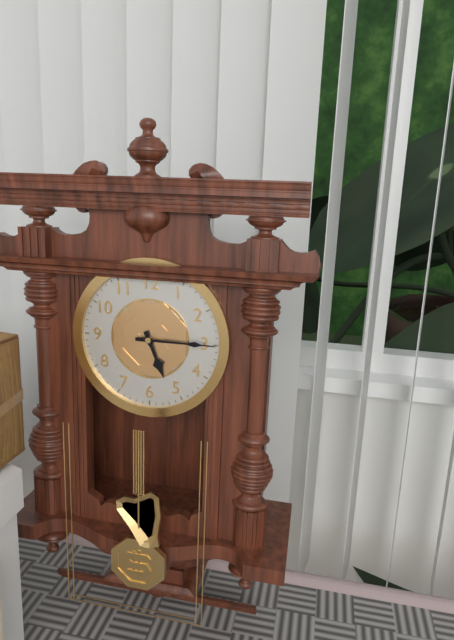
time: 5:15
